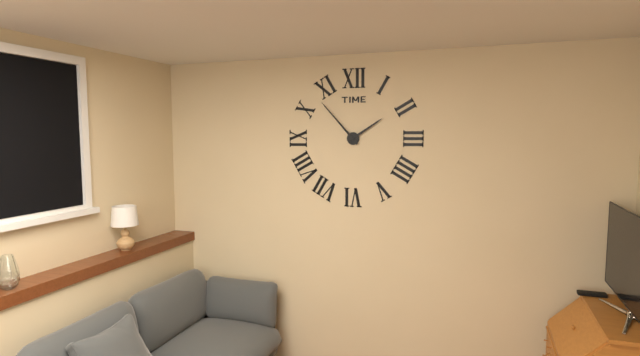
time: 1:53
